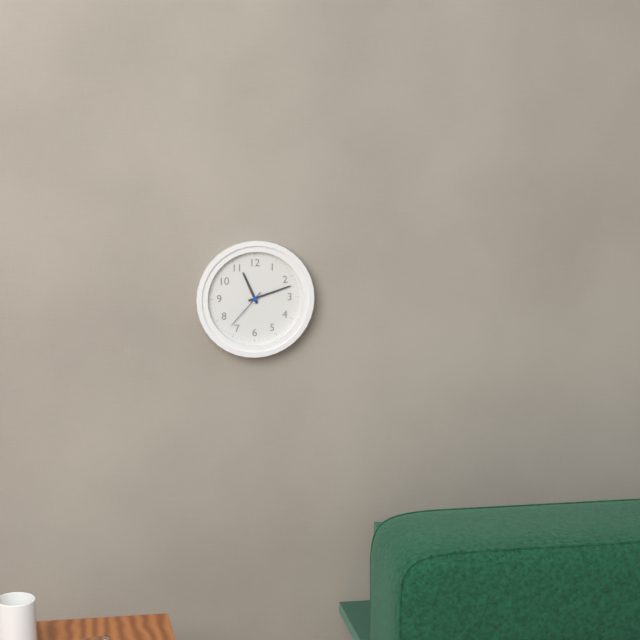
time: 11:12
